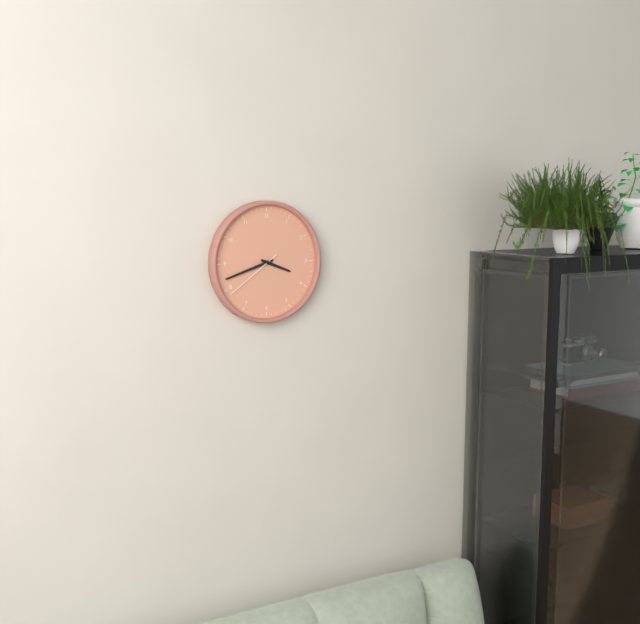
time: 3:42:39
